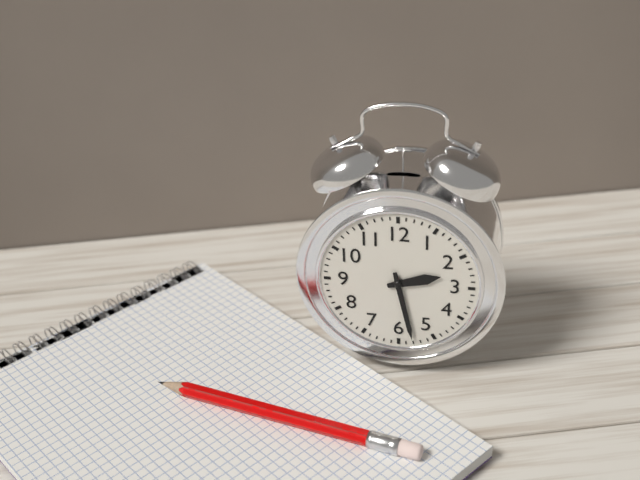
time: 2:28
